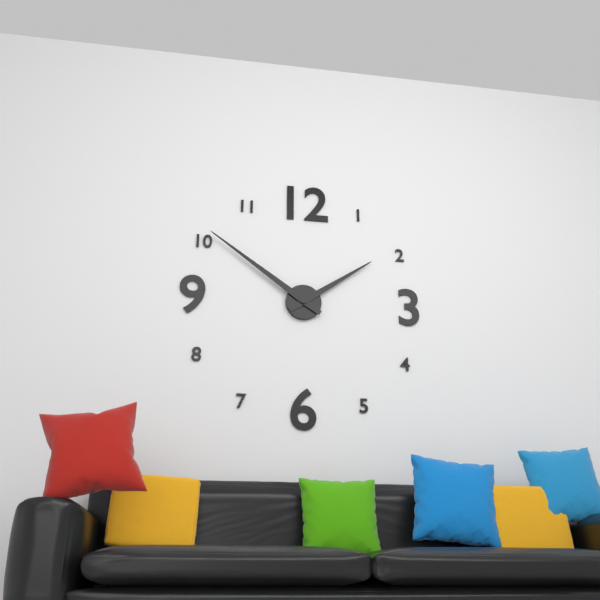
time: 1:51
